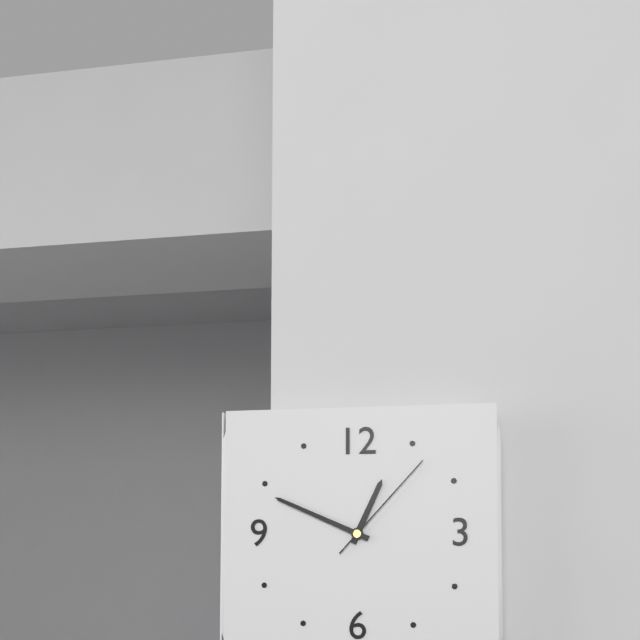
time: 12:49:07
